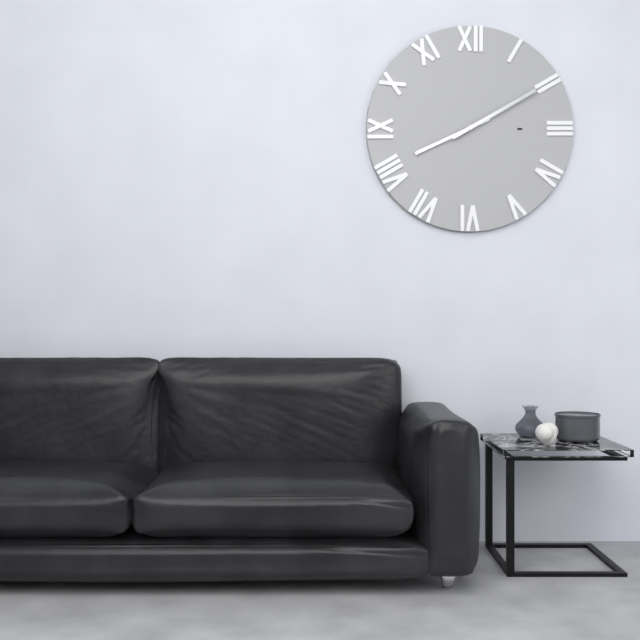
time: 8:10
